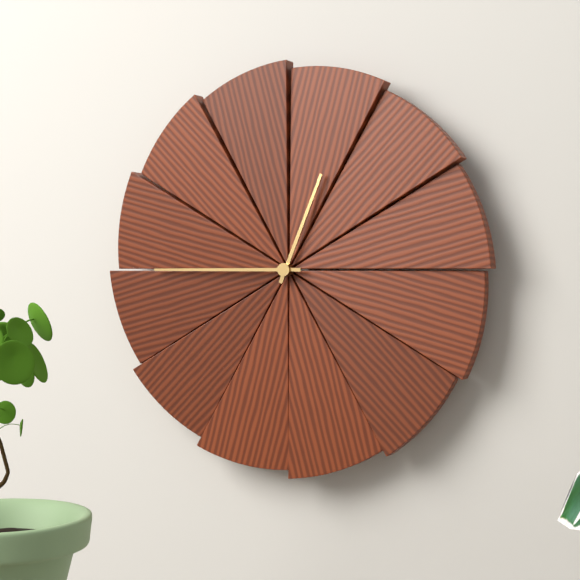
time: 12:45
